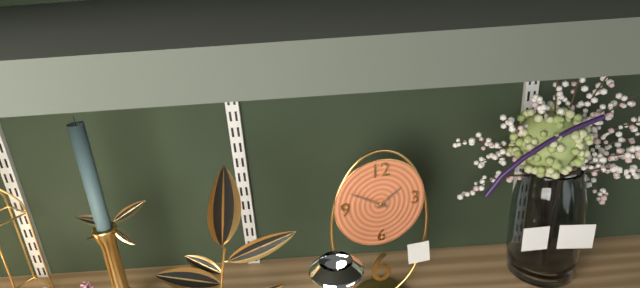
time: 1:50
